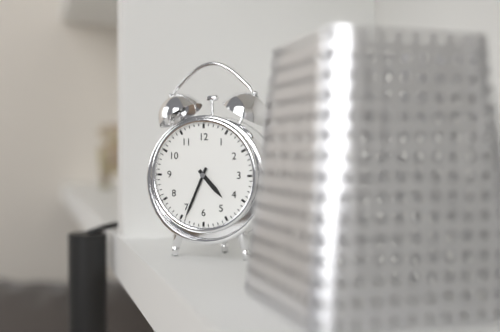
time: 4:34
